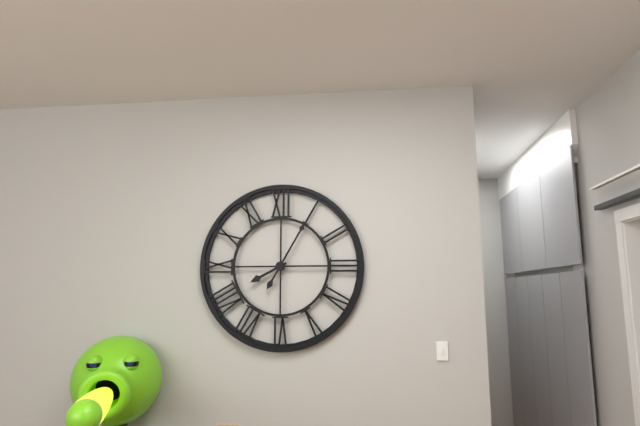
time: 8:05
